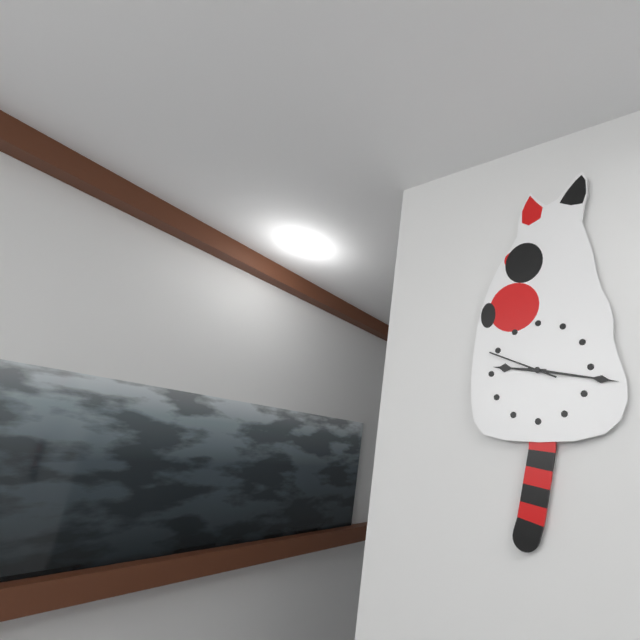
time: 9:17:49
